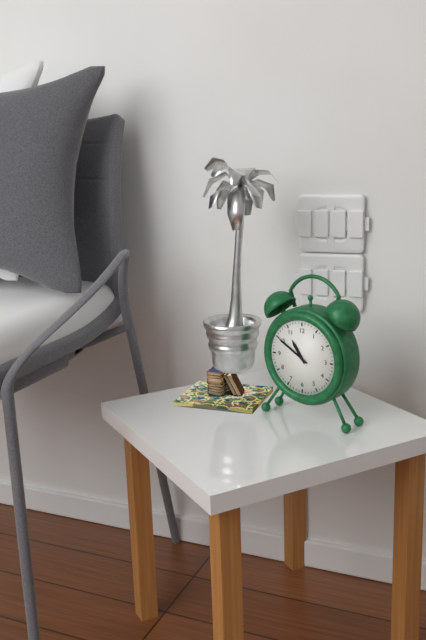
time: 10:50
